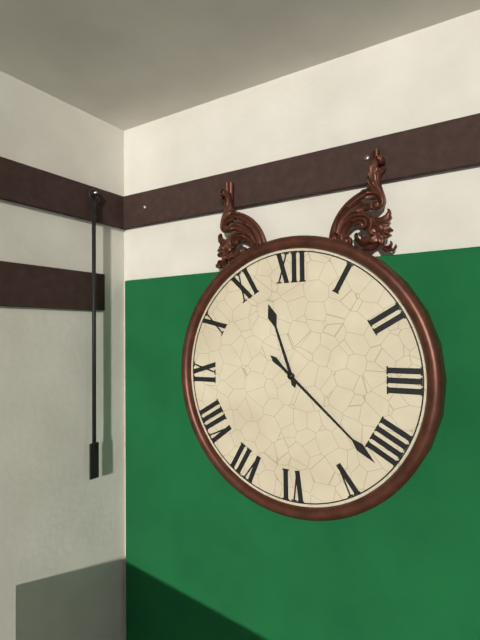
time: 11:22
